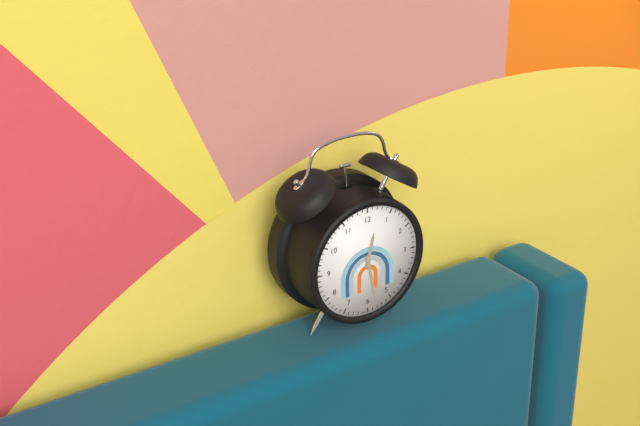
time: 12:28
